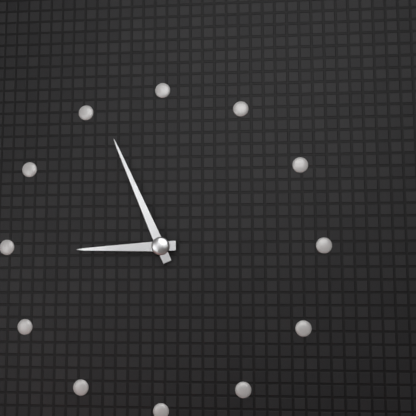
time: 8:56
